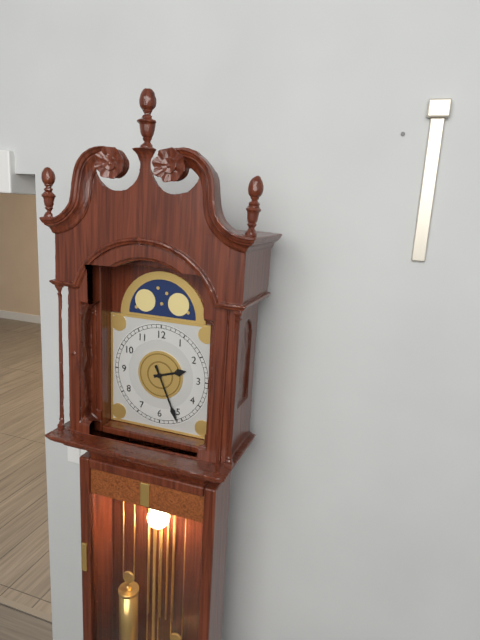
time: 2:26
